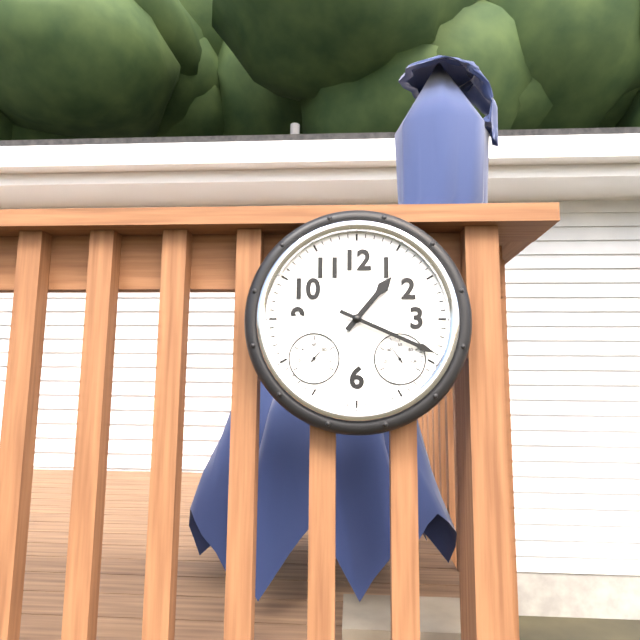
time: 1:19
